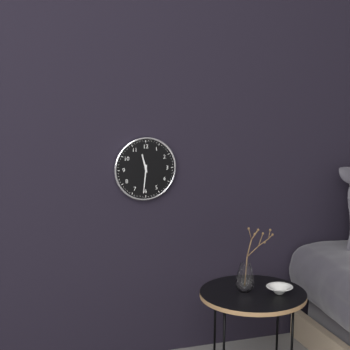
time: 11:31
